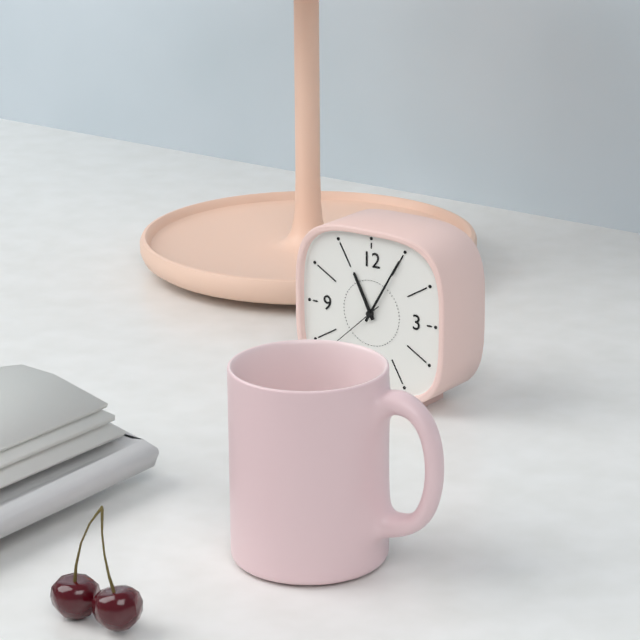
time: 11:05:38
